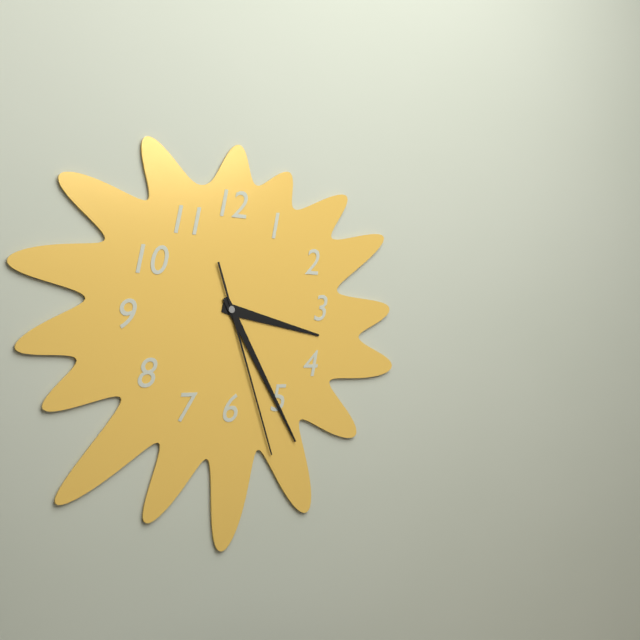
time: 3:25:27
